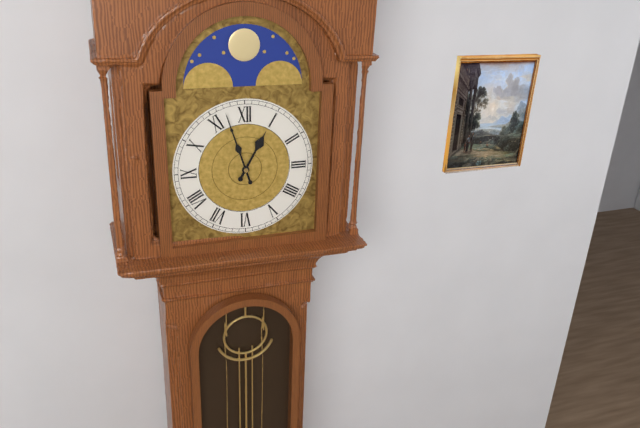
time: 12:57
